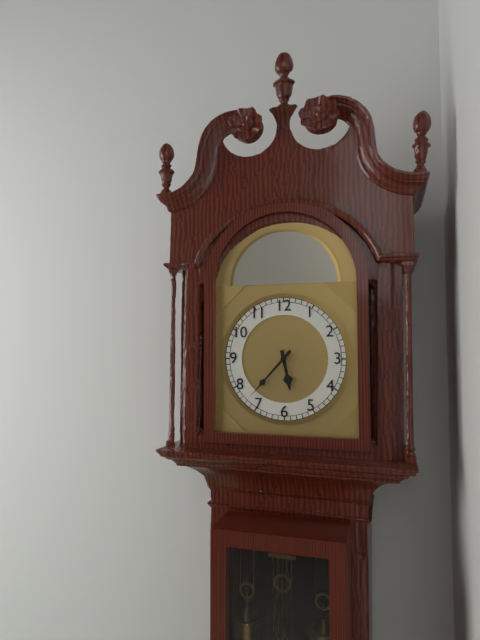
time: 5:37
